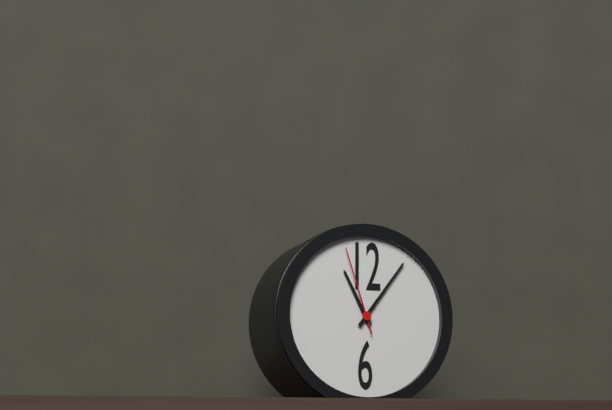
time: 11:06:57
